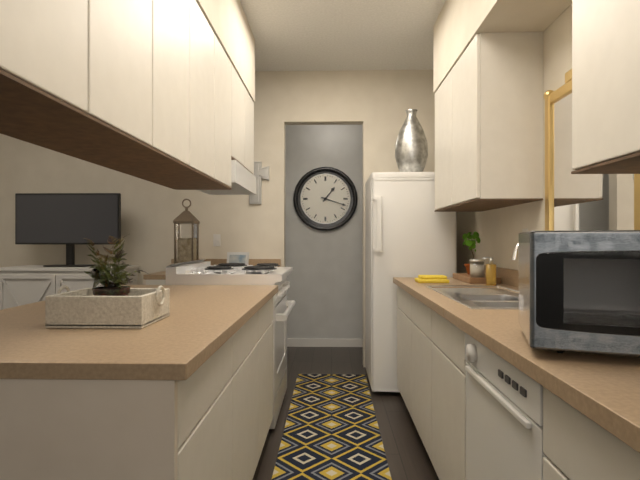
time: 1:18
